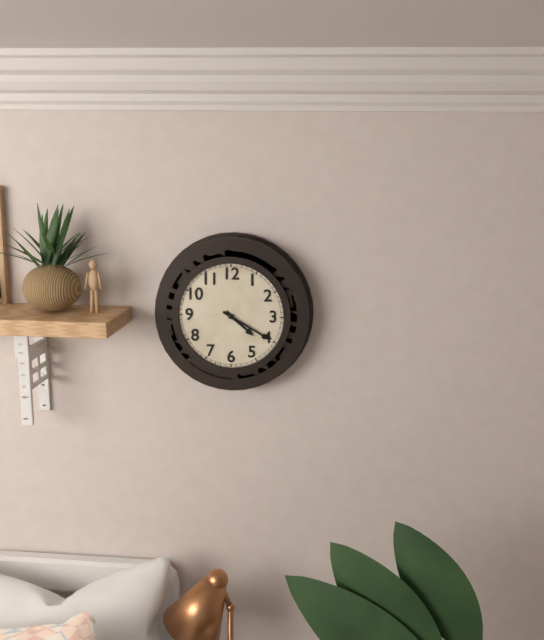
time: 4:20
